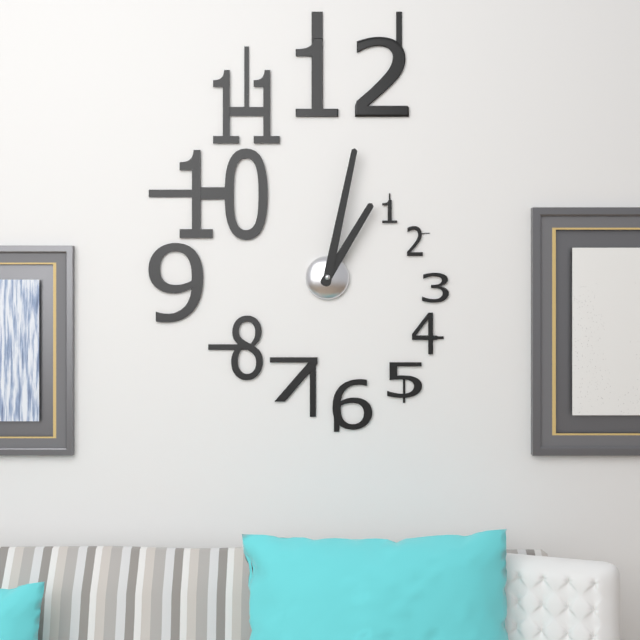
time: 1:02
